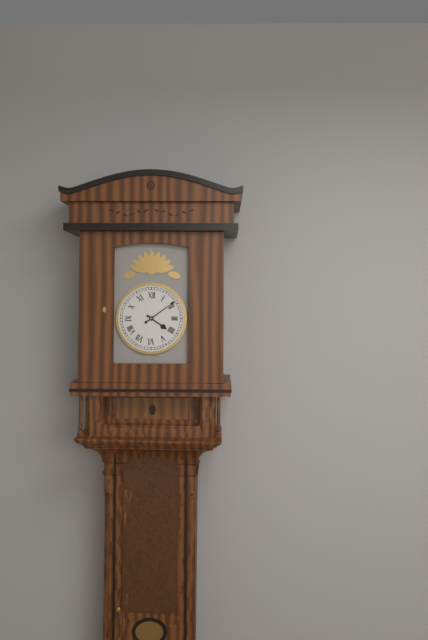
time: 4:09
